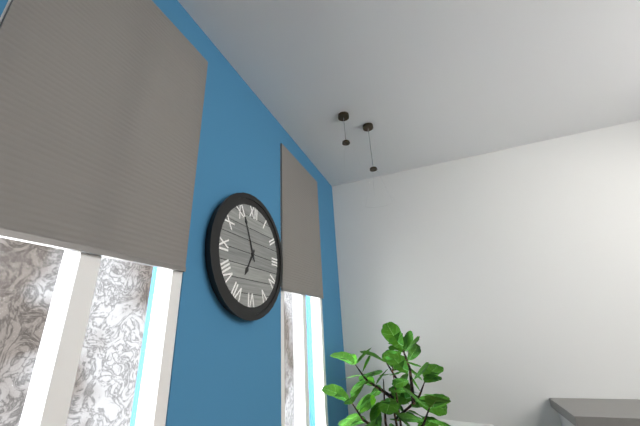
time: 6:56
